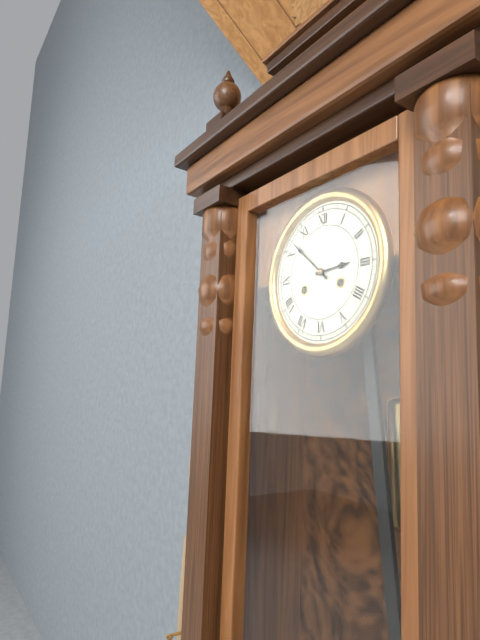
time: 2:52
